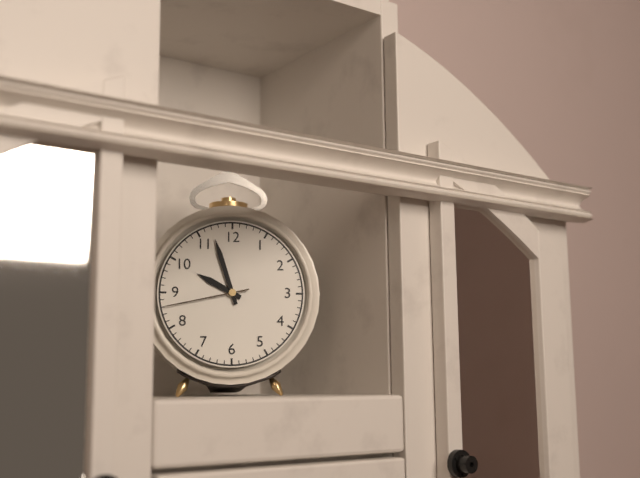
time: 9:57:43
